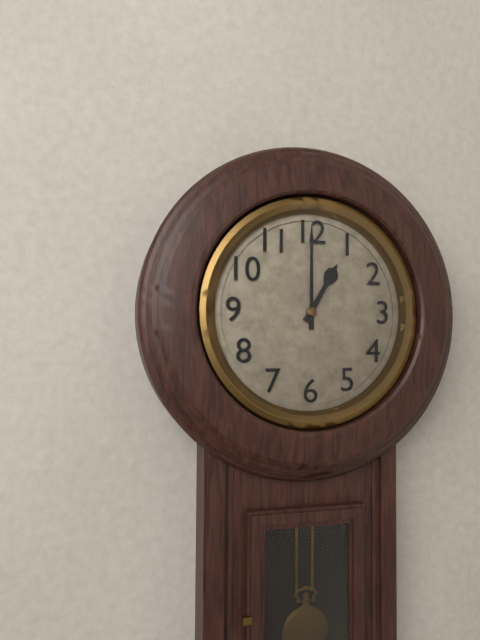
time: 1:00
